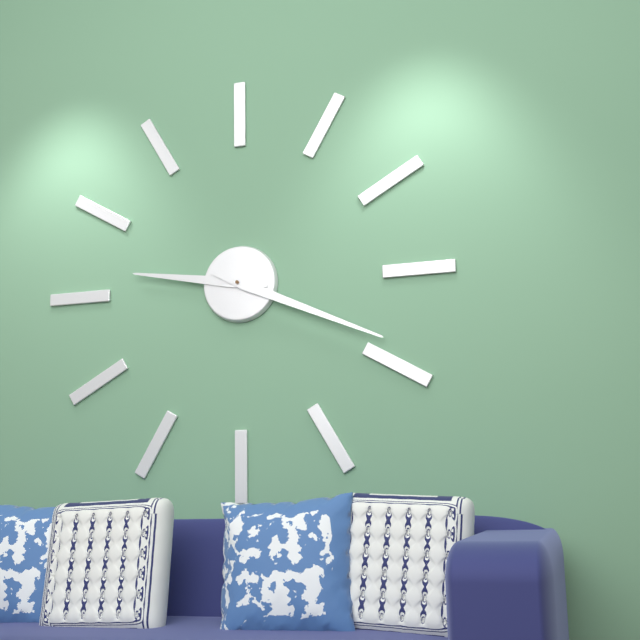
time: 9:19
